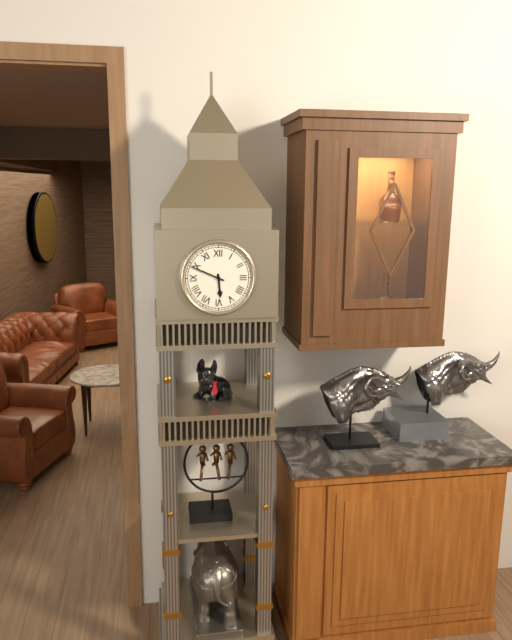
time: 5:49
